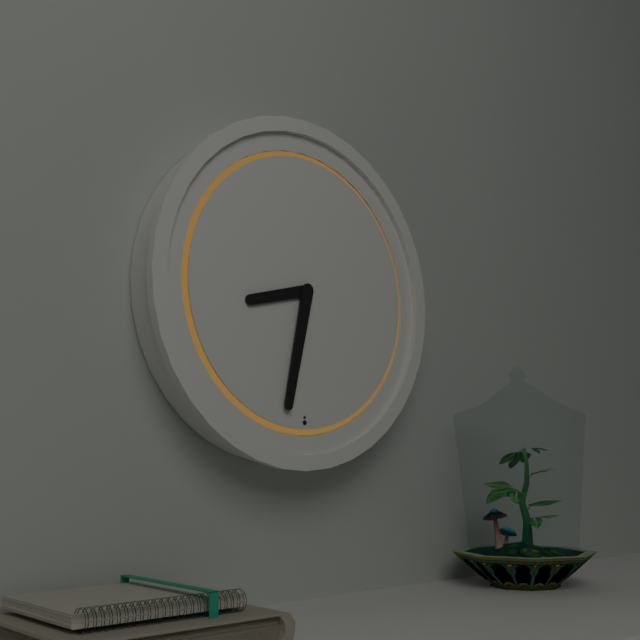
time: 8:32
